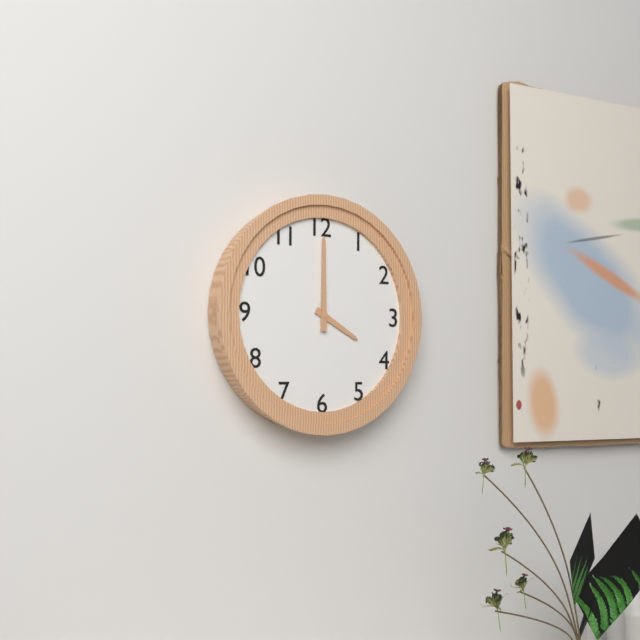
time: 4:00
